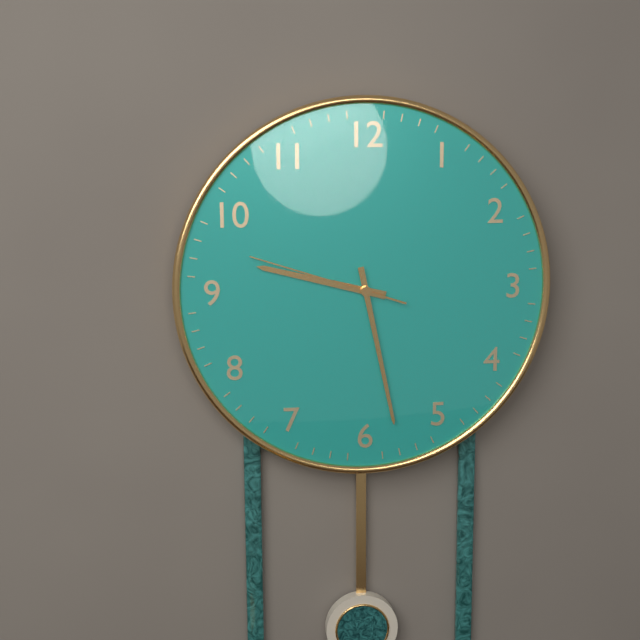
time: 9:28:48
